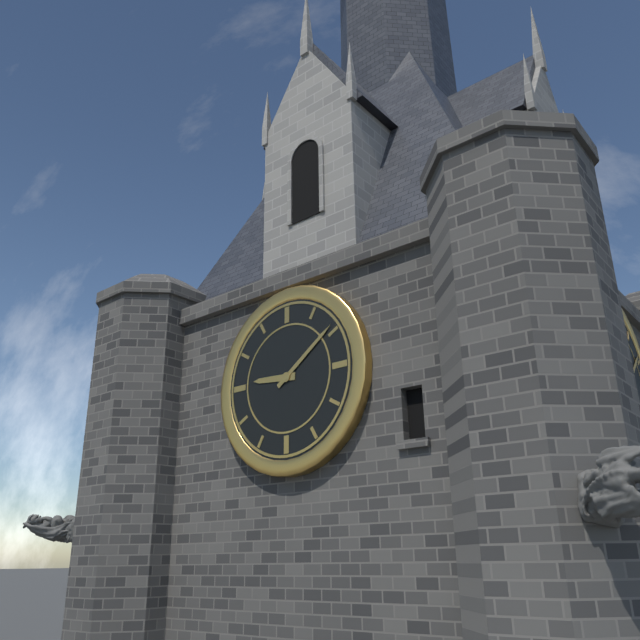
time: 9:09
